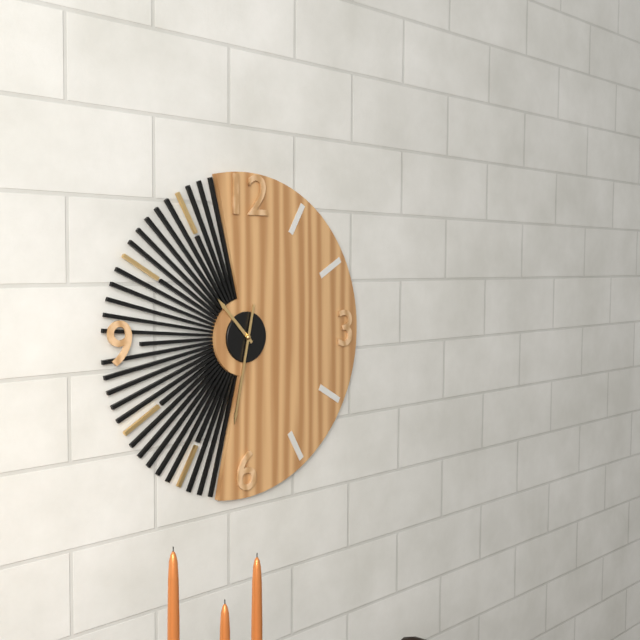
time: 10:32
